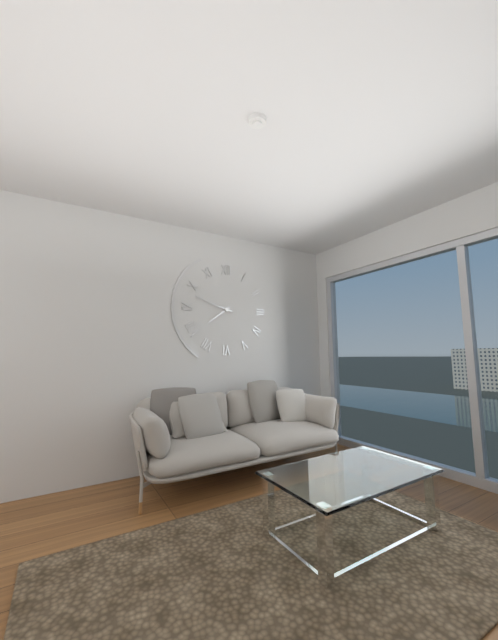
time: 7:48
